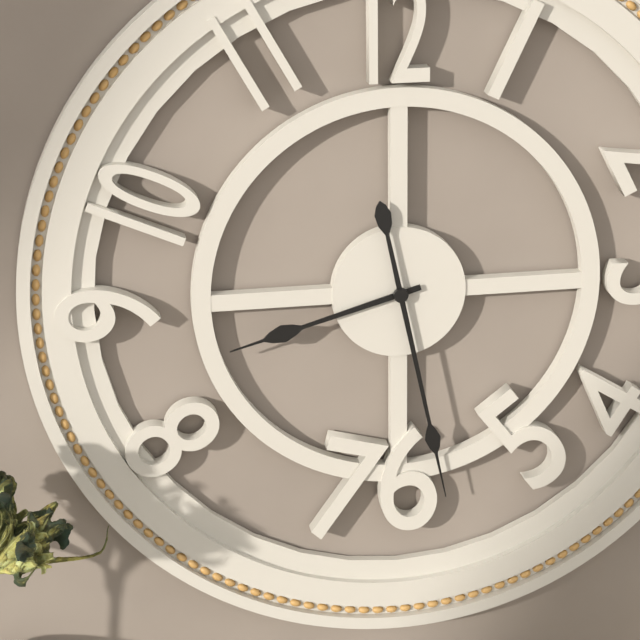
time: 8:28
